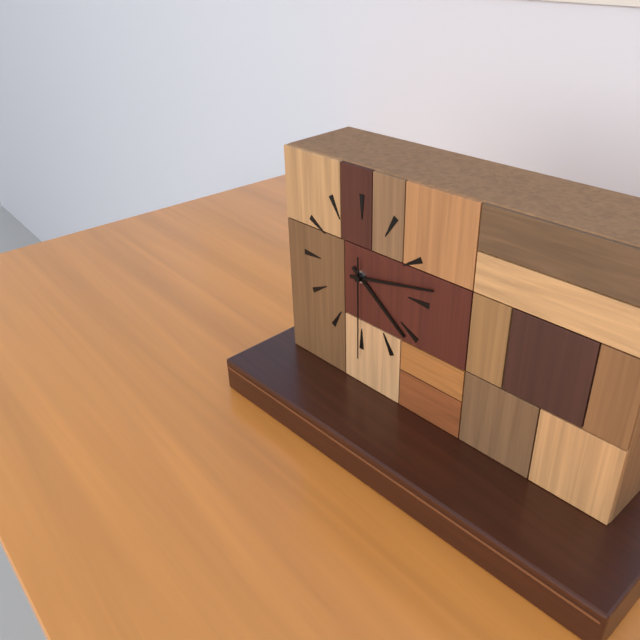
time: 4:13:30
